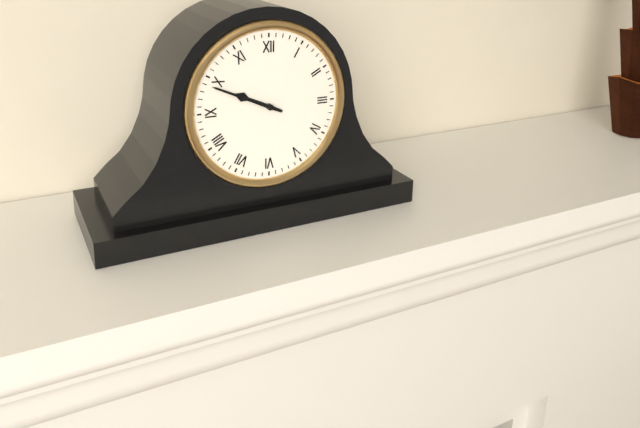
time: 9:49
